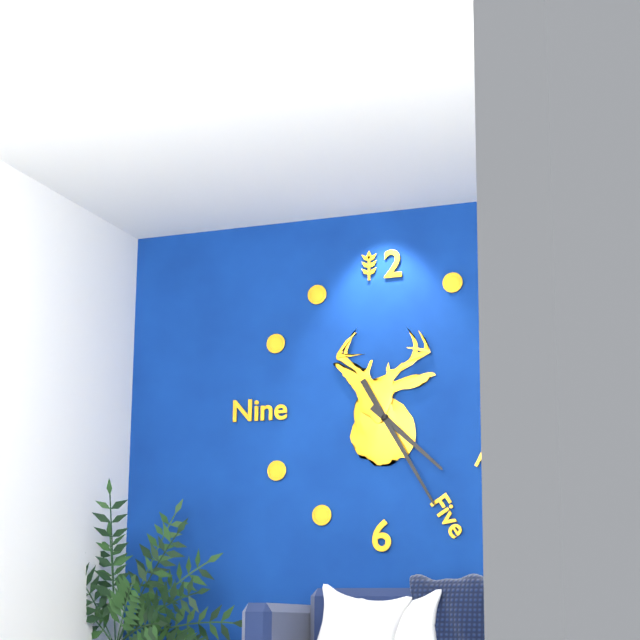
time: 4:25
